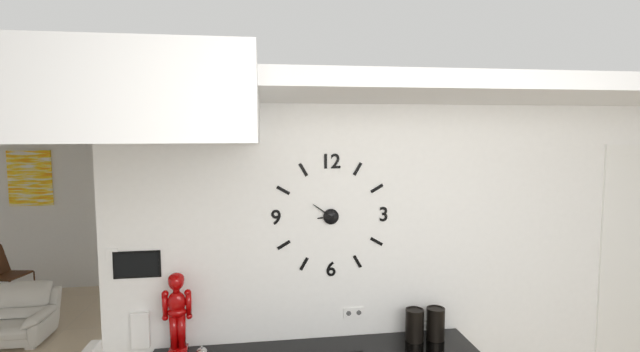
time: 8:51
